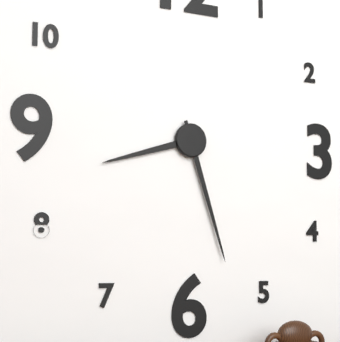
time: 8:27
